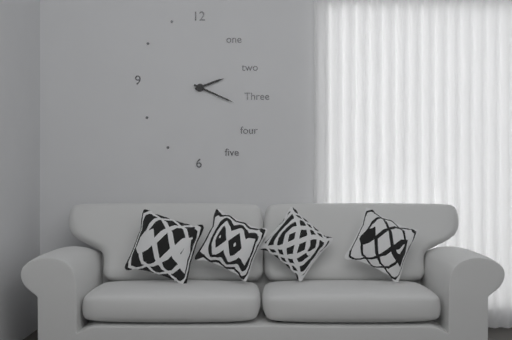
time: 2:19
